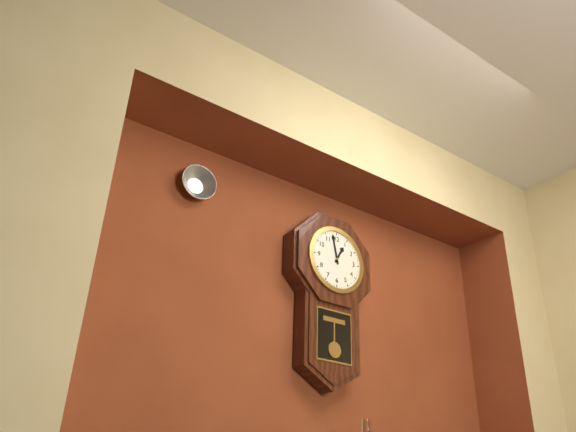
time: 12:58
